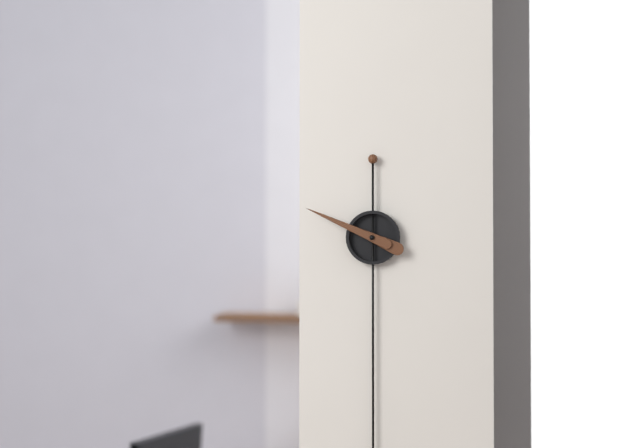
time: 9:49
